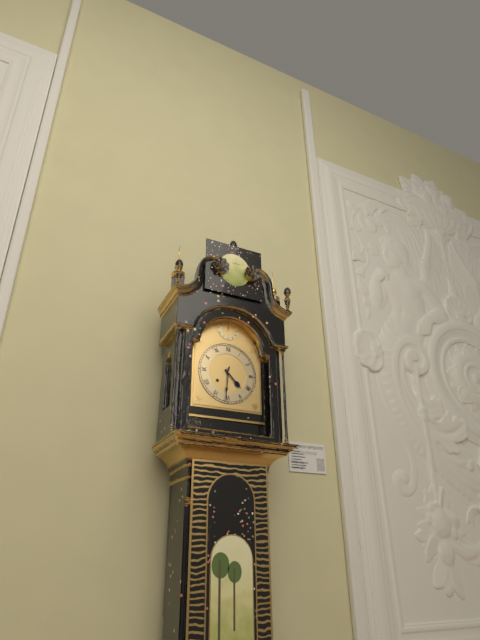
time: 4:31
